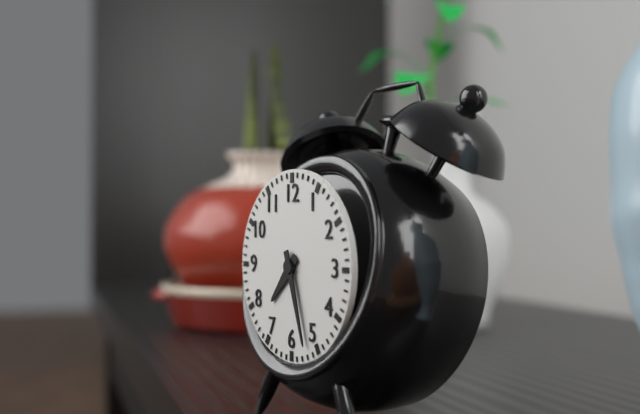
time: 7:27
